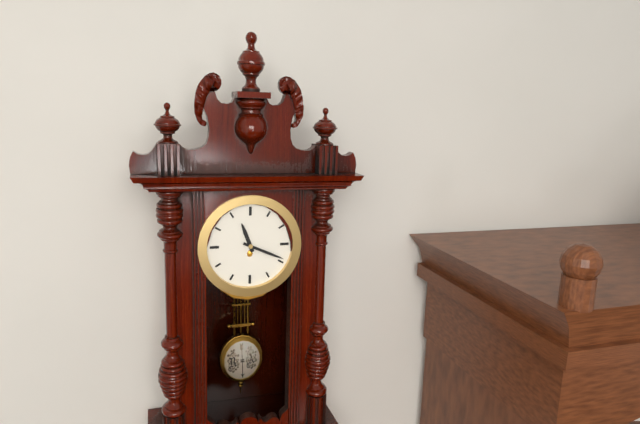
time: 11:19
